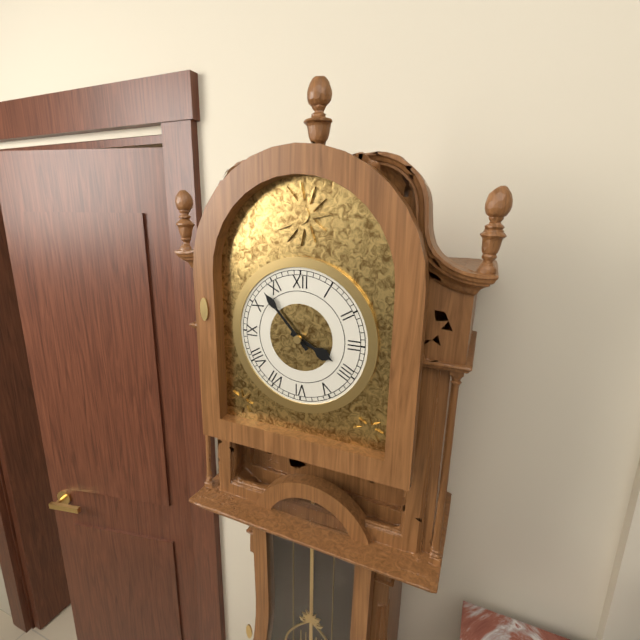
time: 3:53
